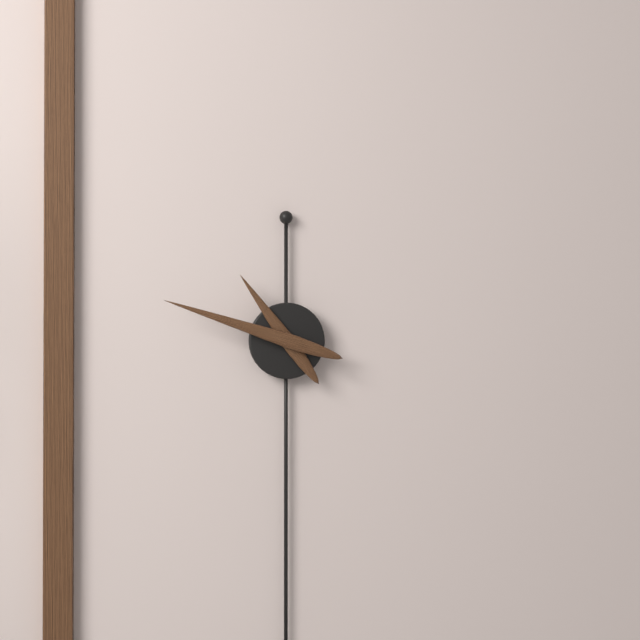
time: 10:48
